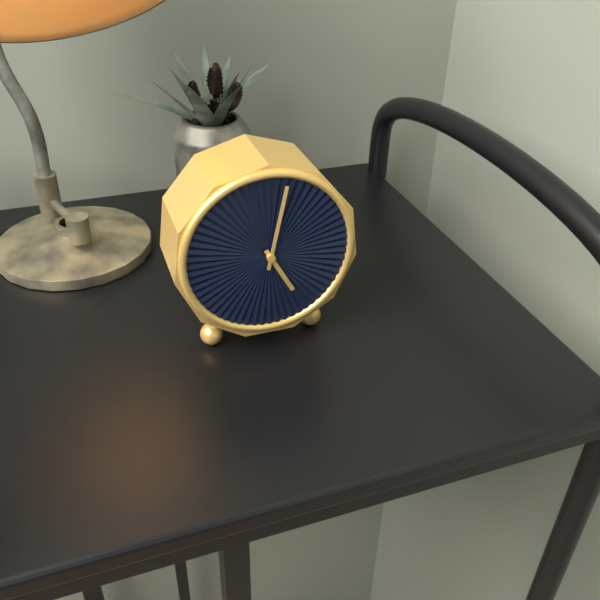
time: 5:02
